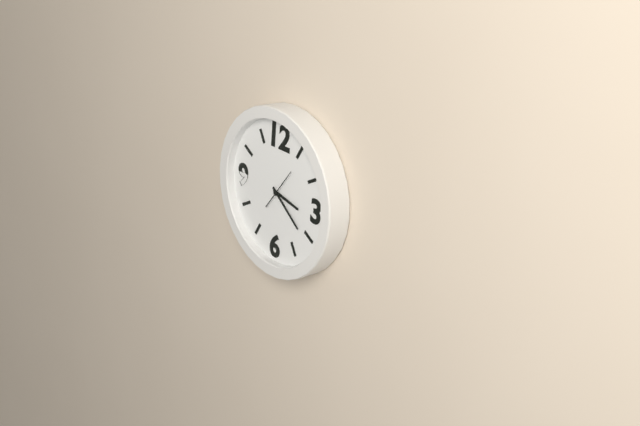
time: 3:21
